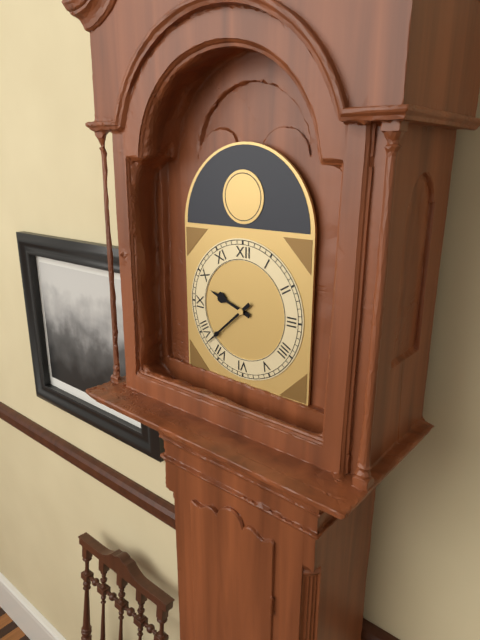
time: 9:38
